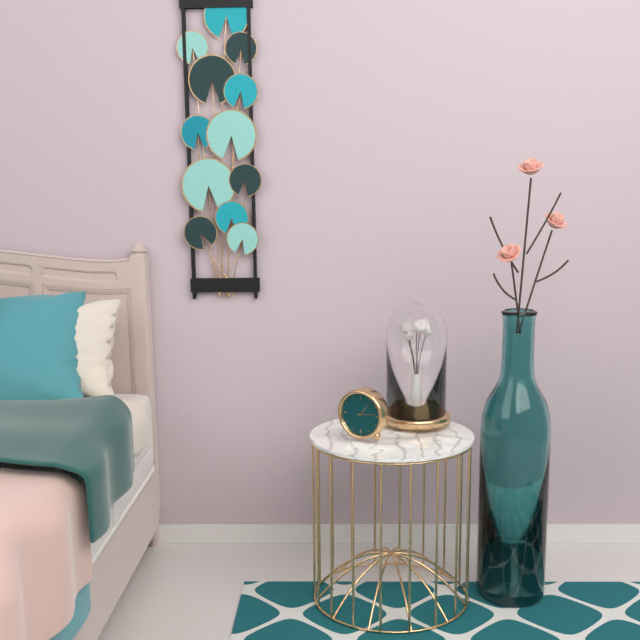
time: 1:14
